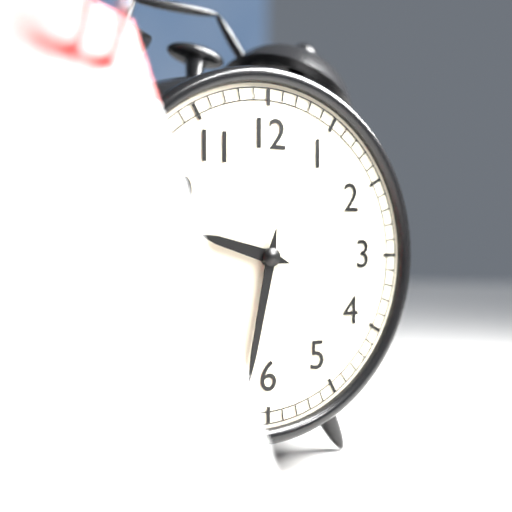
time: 9:32
